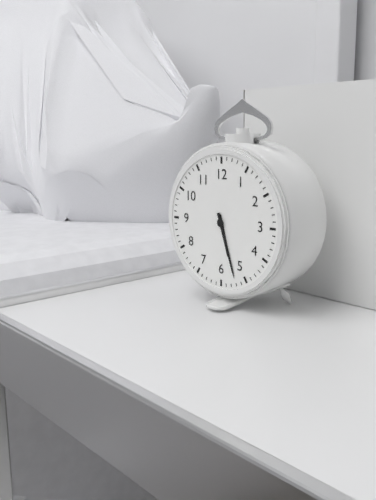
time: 5:27
